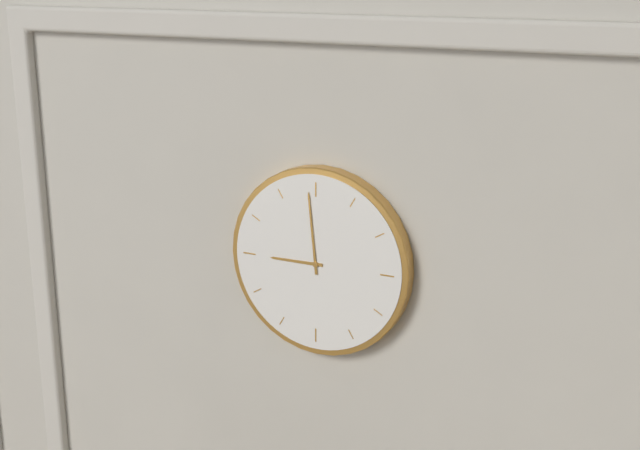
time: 8:59
